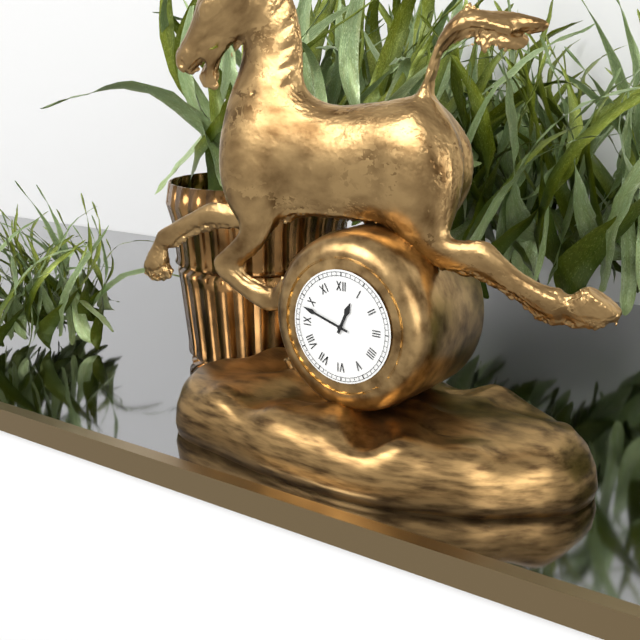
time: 12:48
